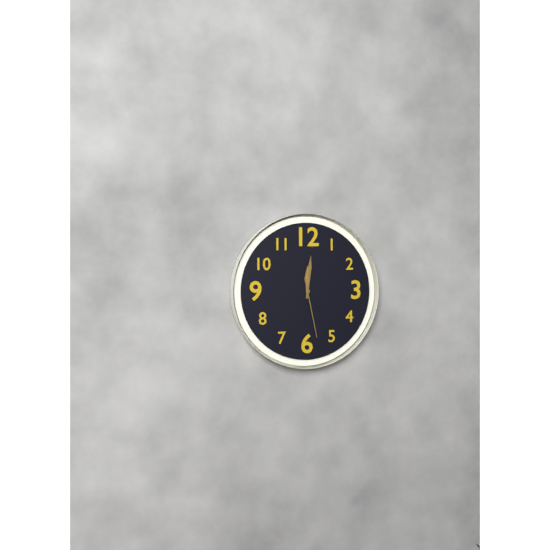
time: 12:01:28
